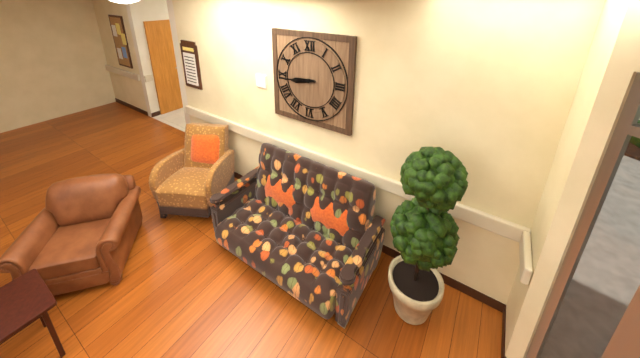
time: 8:44
